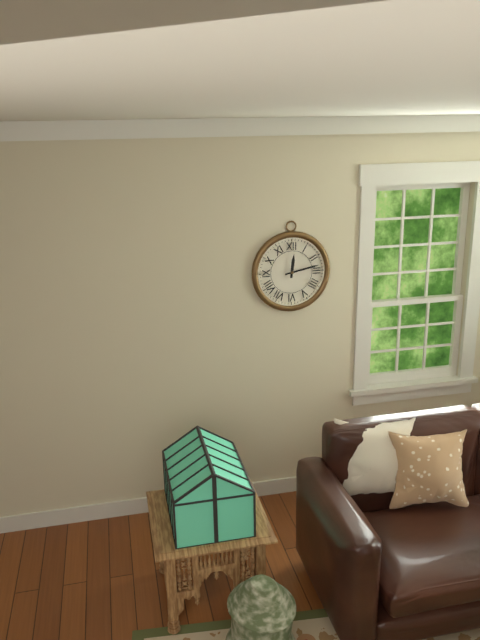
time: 12:13
